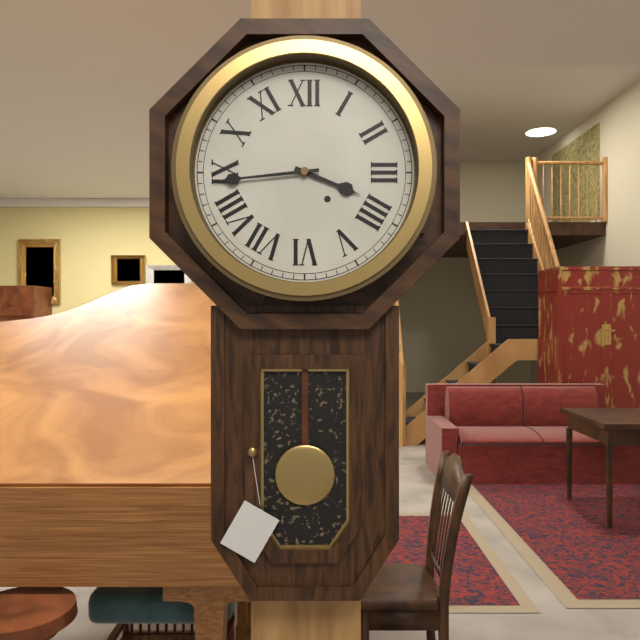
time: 3:44
